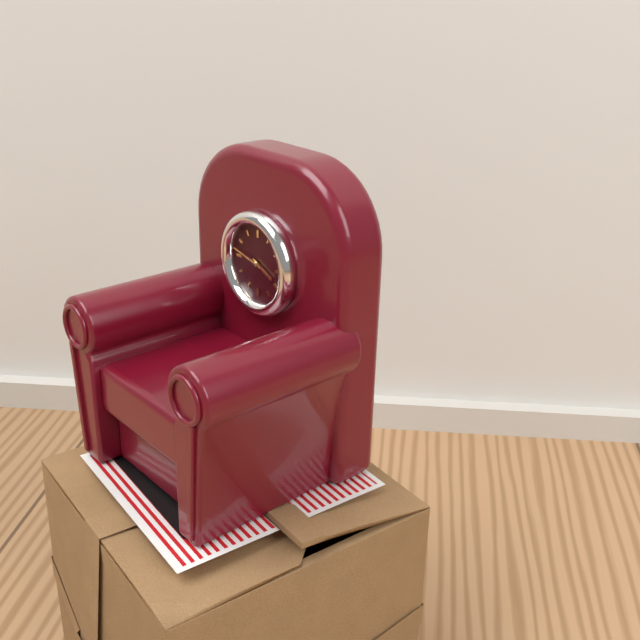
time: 3:47
